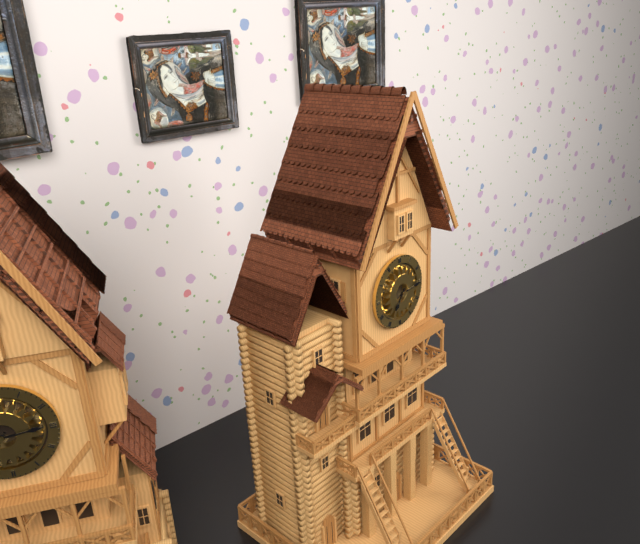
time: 7:14
